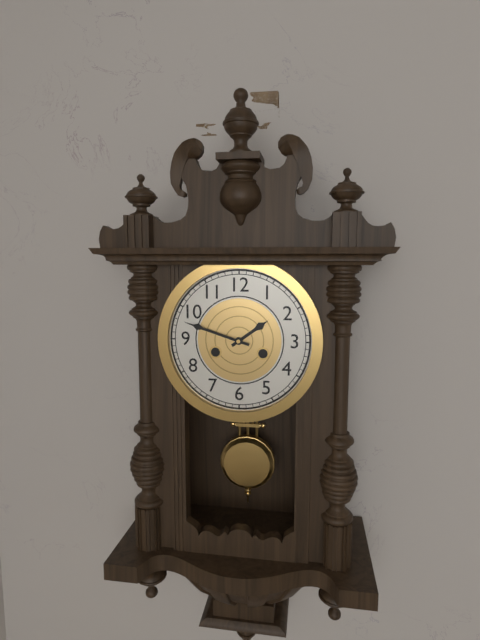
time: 1:48
